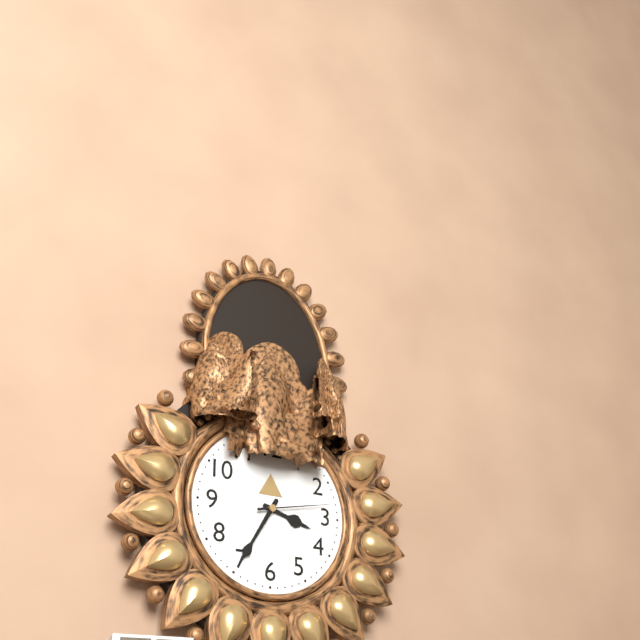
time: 3:35:13
